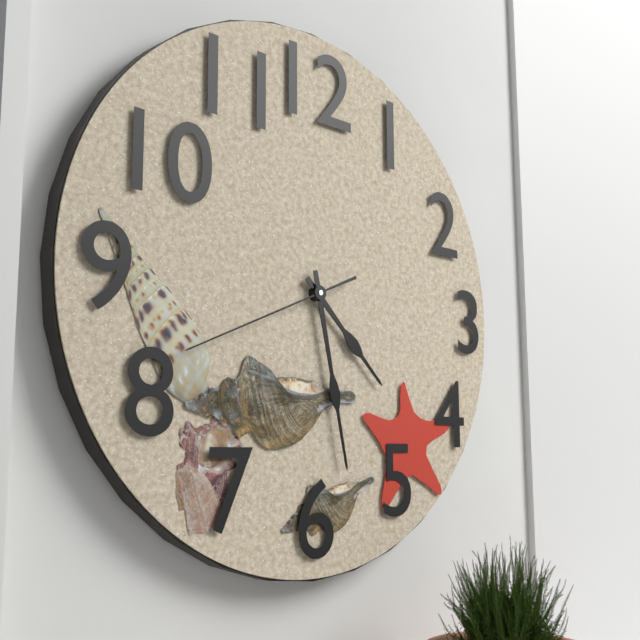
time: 4:28:41
